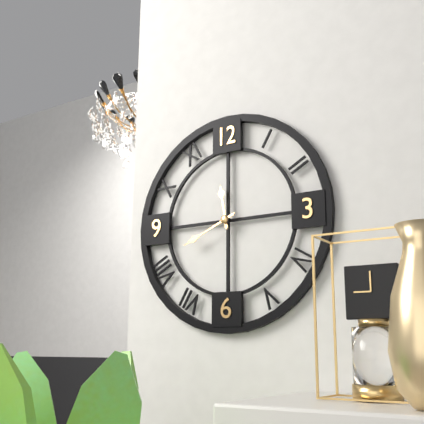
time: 11:41
